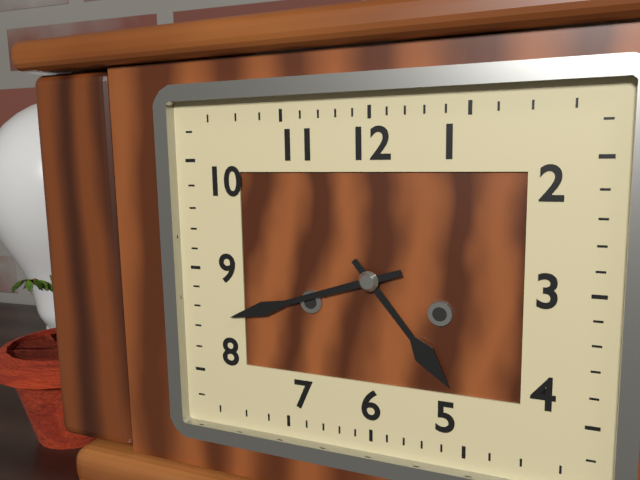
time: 4:42
